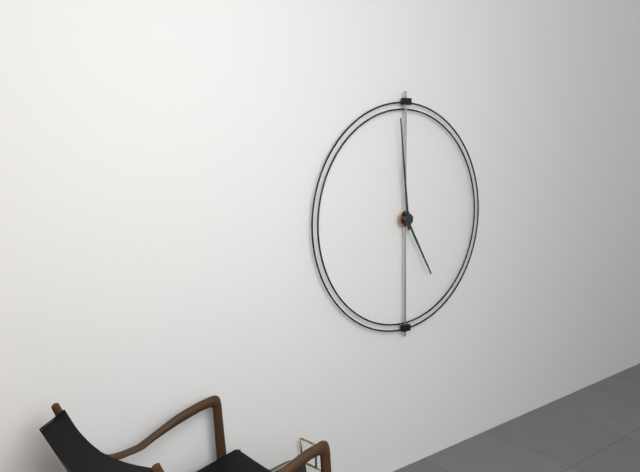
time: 4:59
